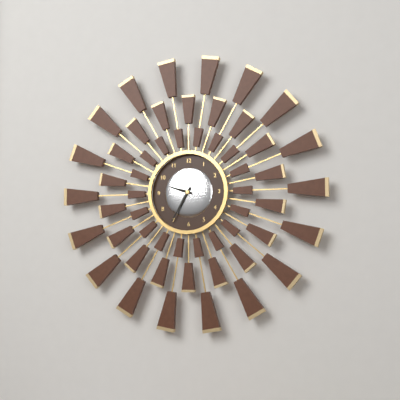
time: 9:35
